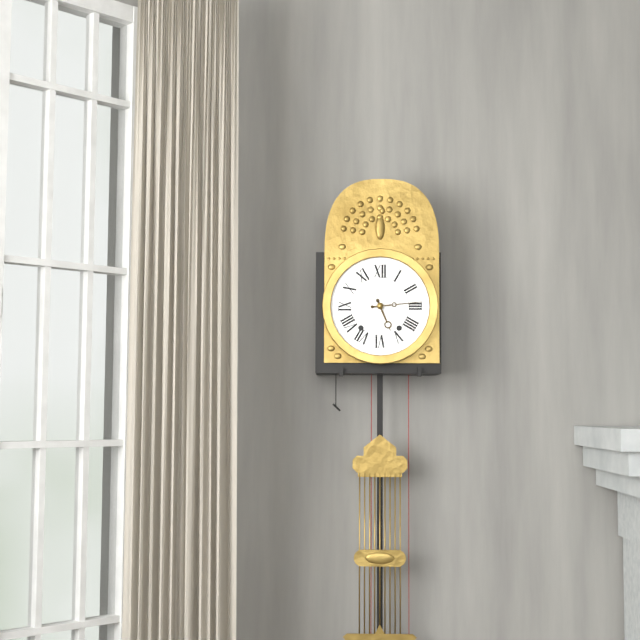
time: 5:14
